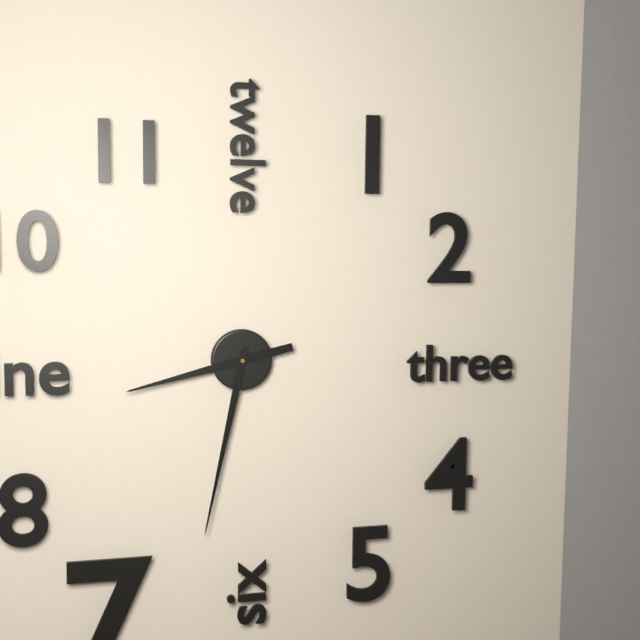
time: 8:32
